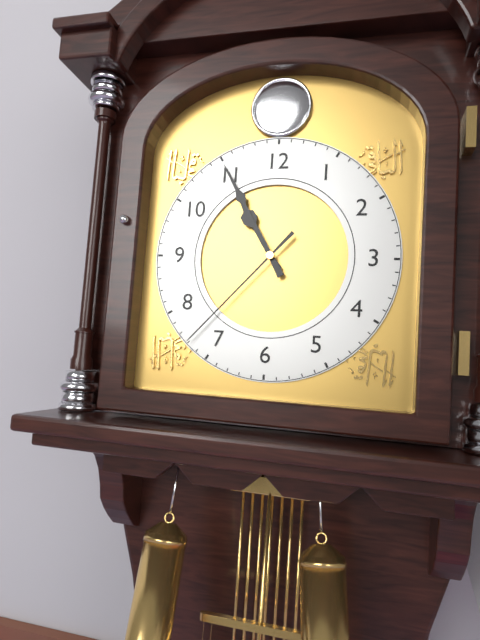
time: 10:55:37
